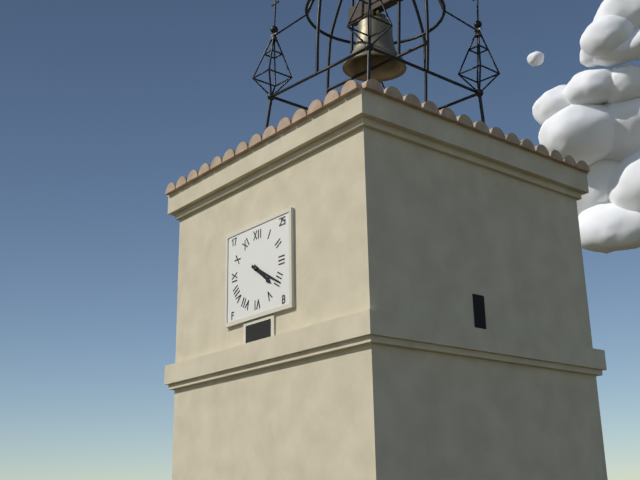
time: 4:20
